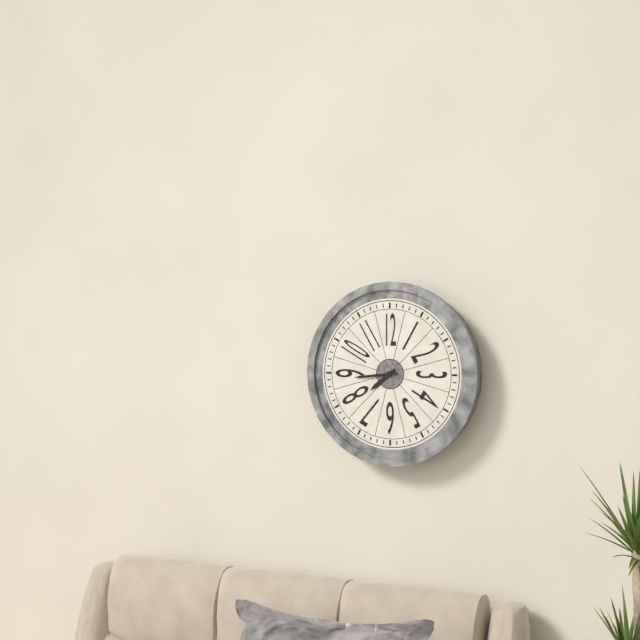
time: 7:44
